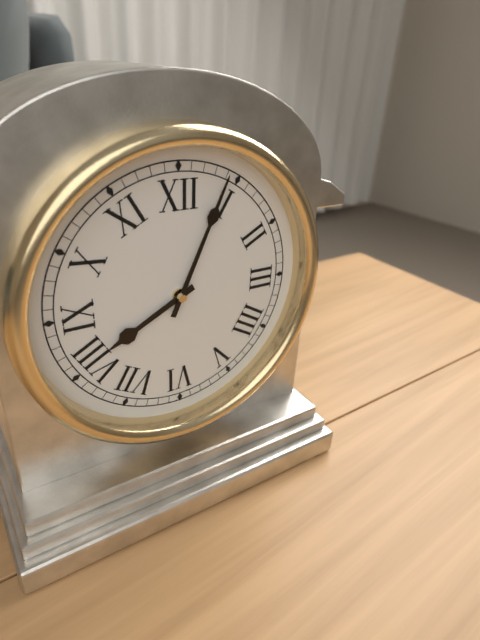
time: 8:04
